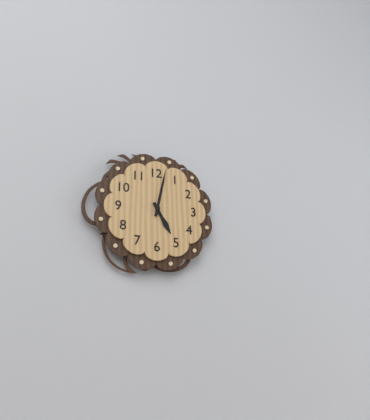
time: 5:02
